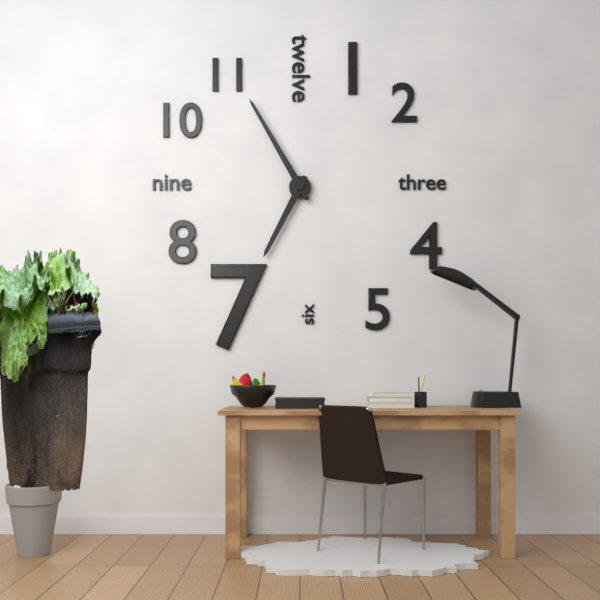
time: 6:55
